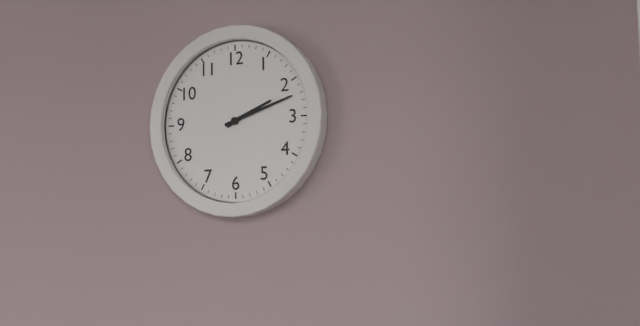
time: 2:12
